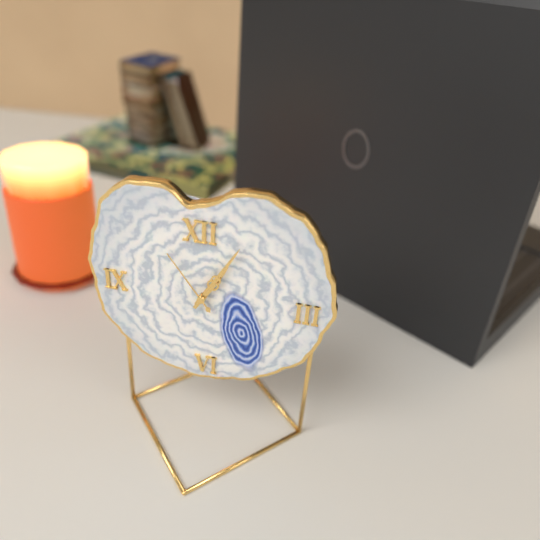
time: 1:05:54
